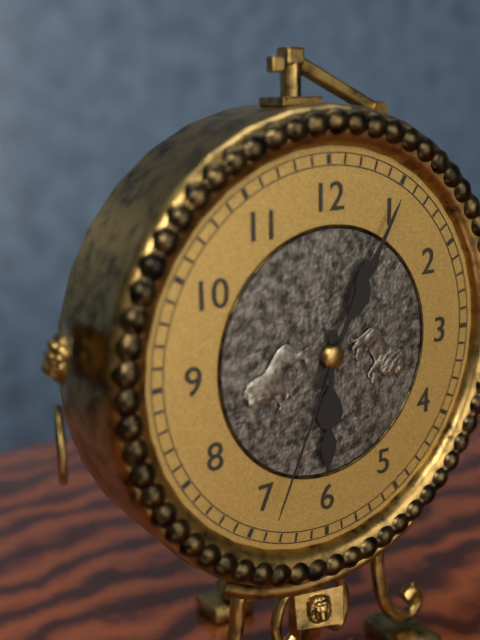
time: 6:05:34
